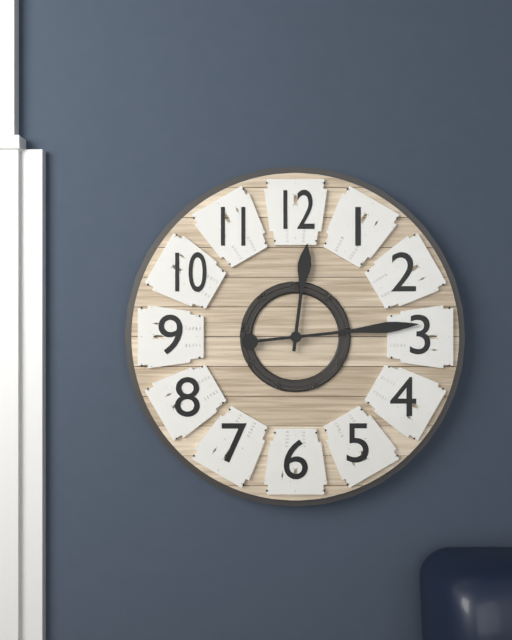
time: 12:14
